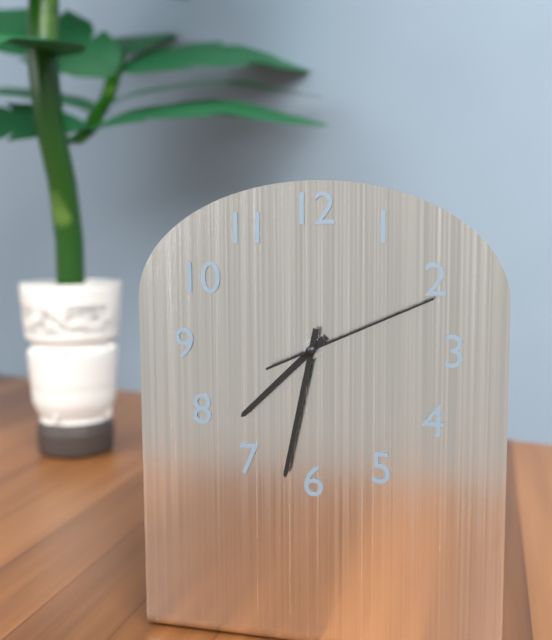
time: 7:32:11
